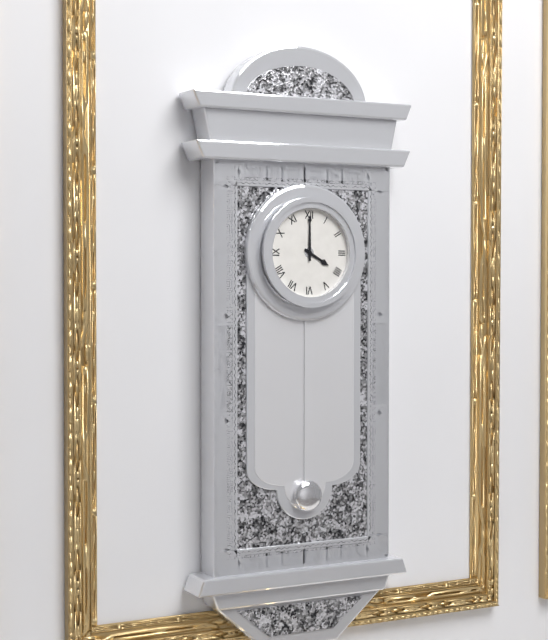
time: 4:00
